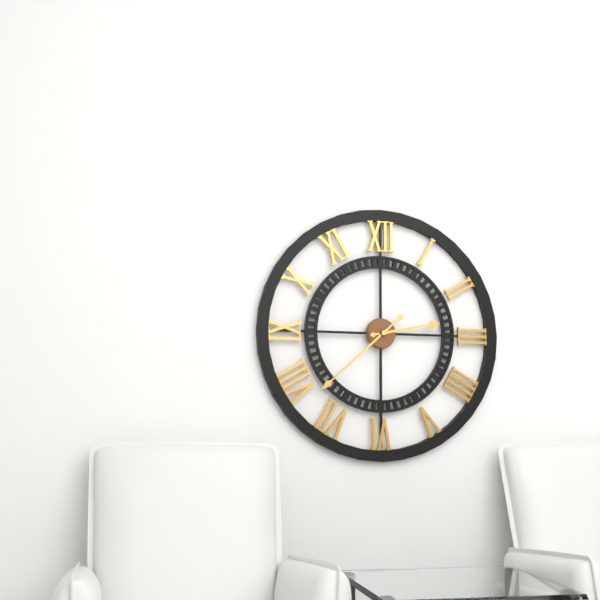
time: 2:38
